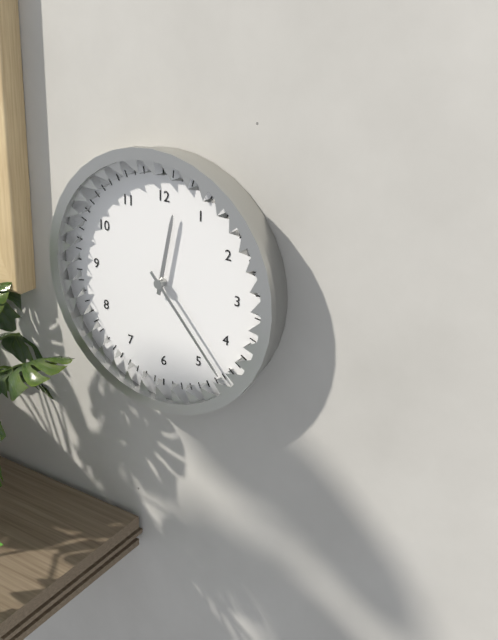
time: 12:23
